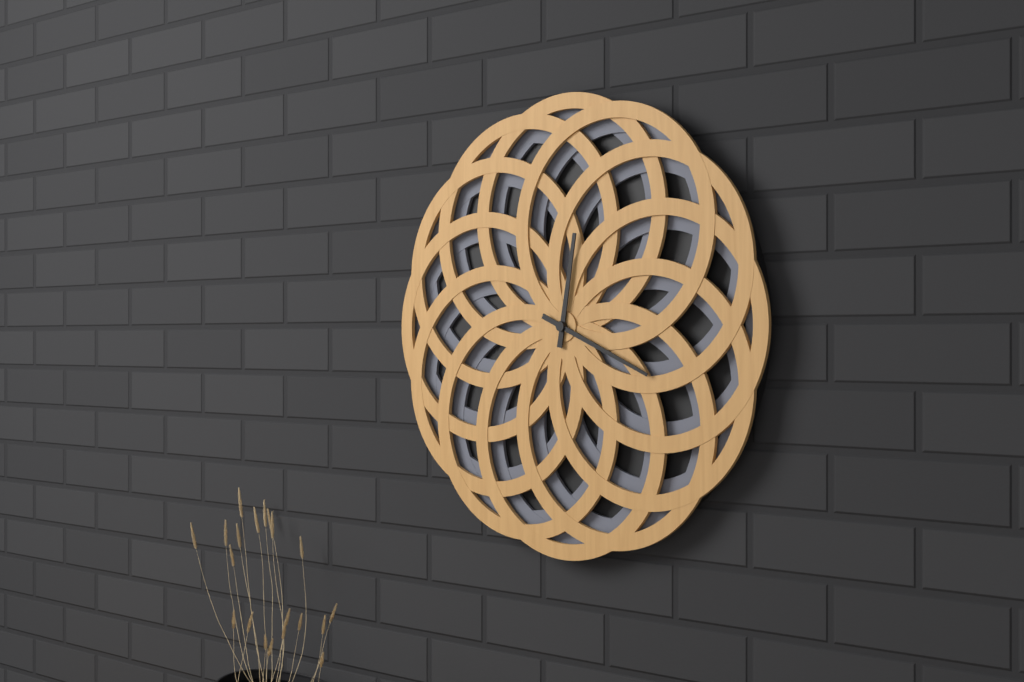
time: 12:19
